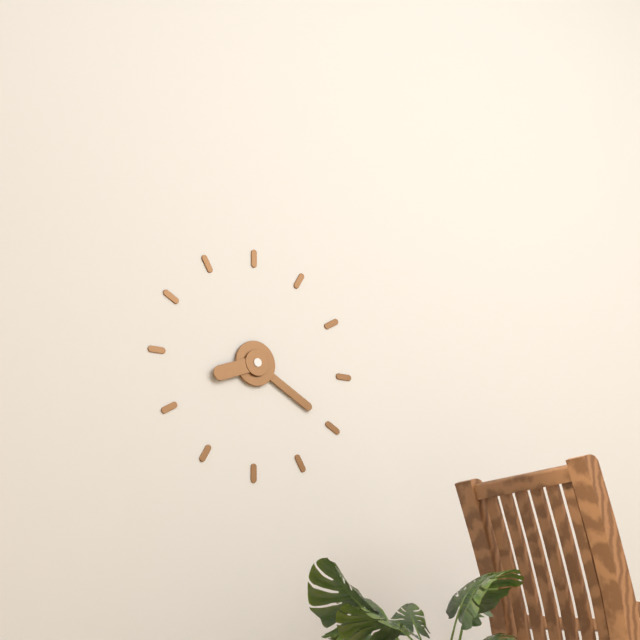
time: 8:20
